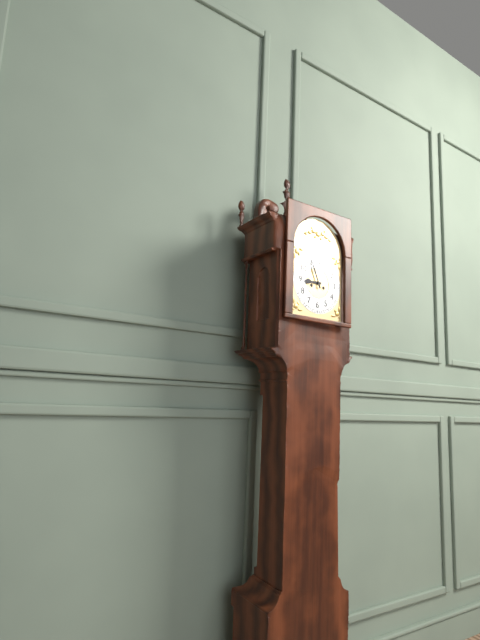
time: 8:56
